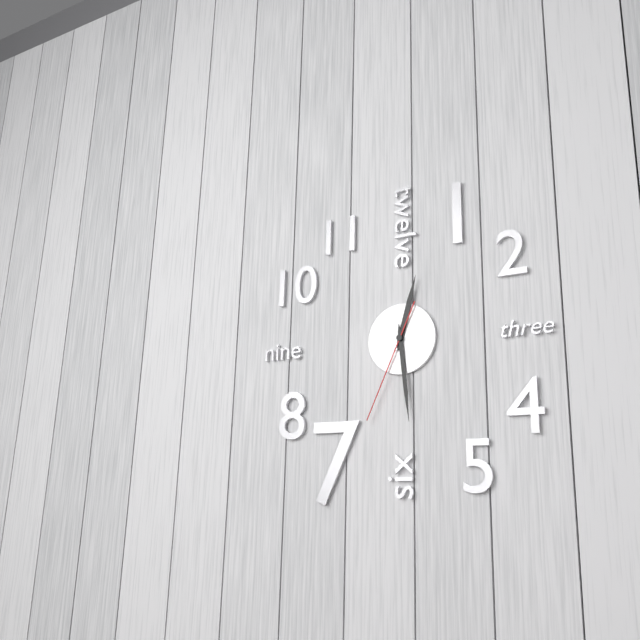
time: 12:29:34
